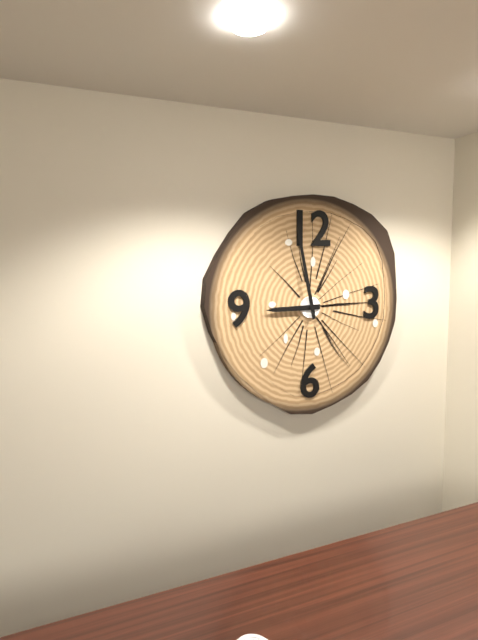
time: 8:58
